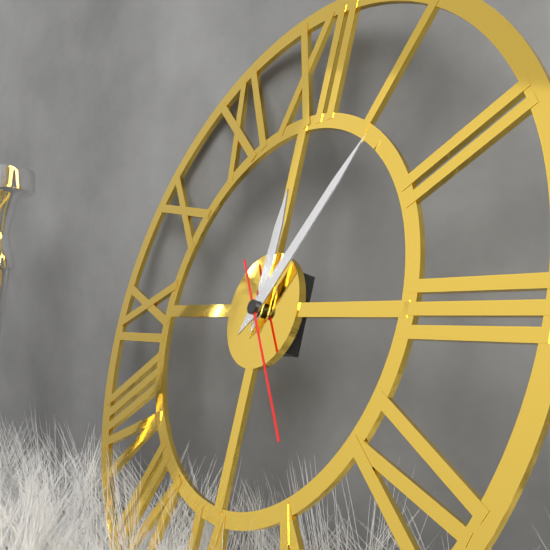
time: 12:06:24
